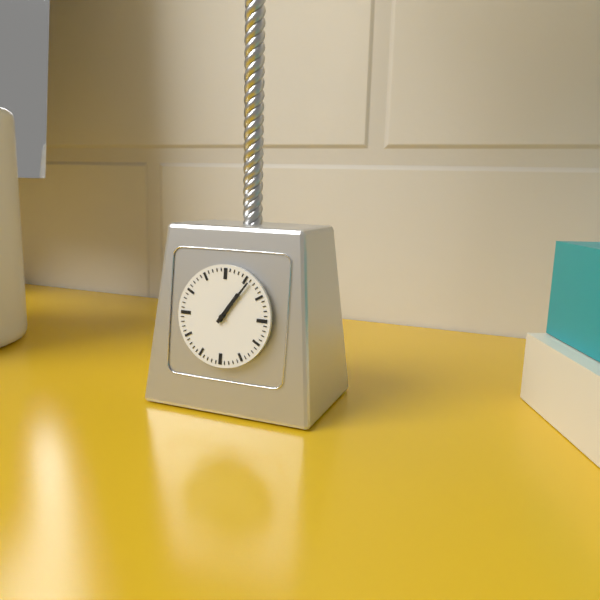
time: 1:06
